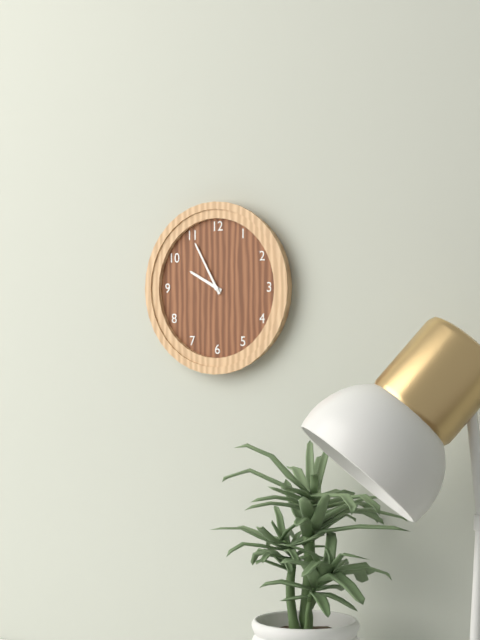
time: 9:55
